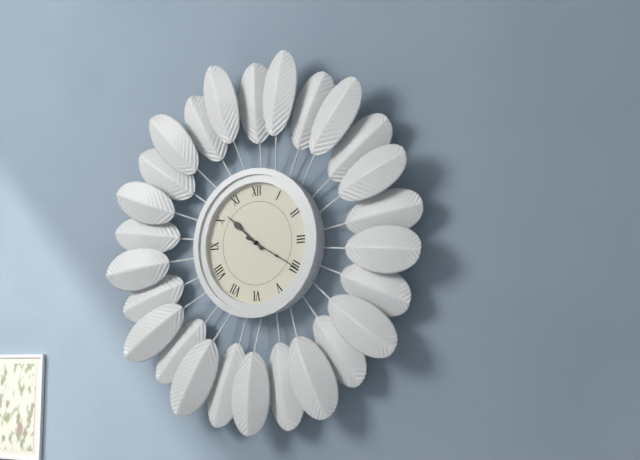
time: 10:20
